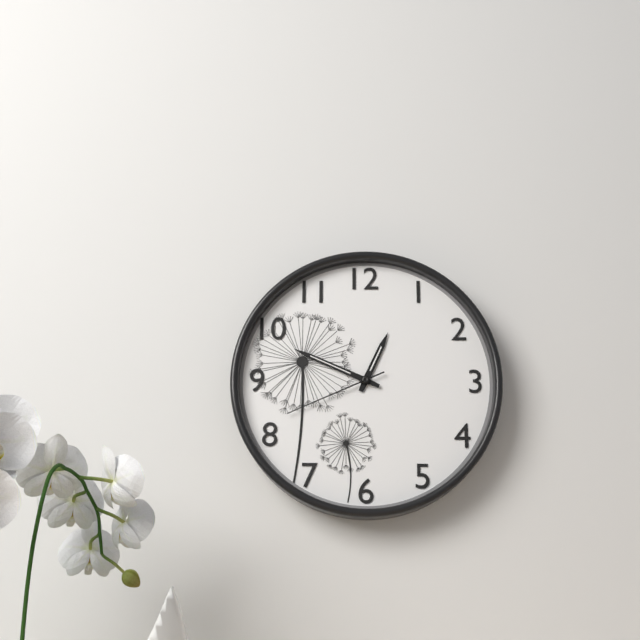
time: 12:49:41
